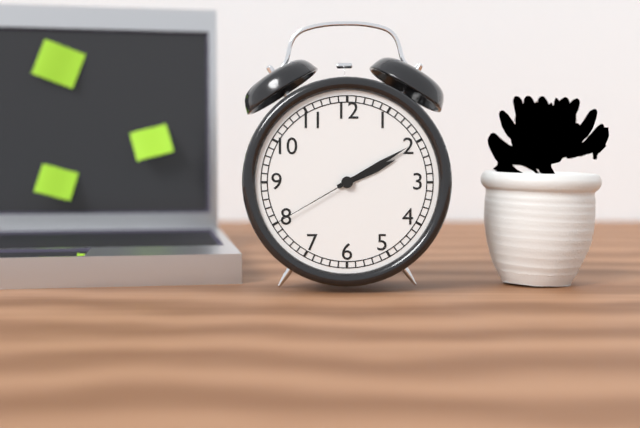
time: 2:10:40
